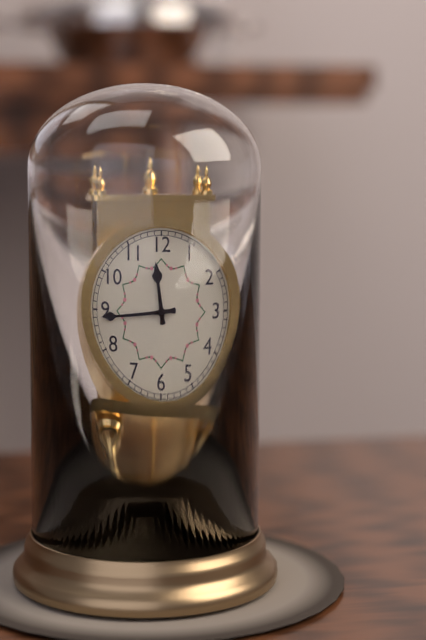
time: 11:44
